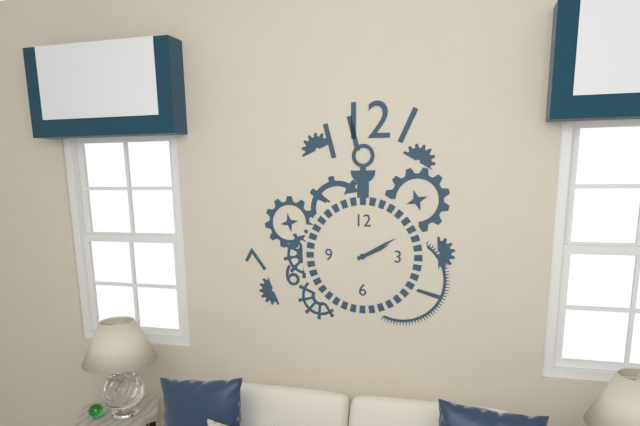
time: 2:10
